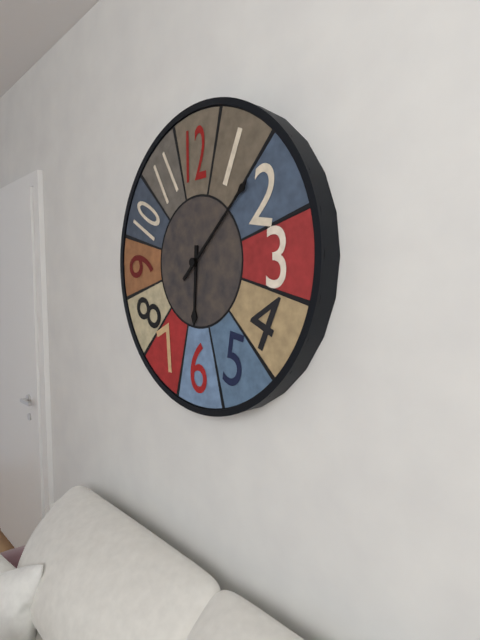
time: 6:08
